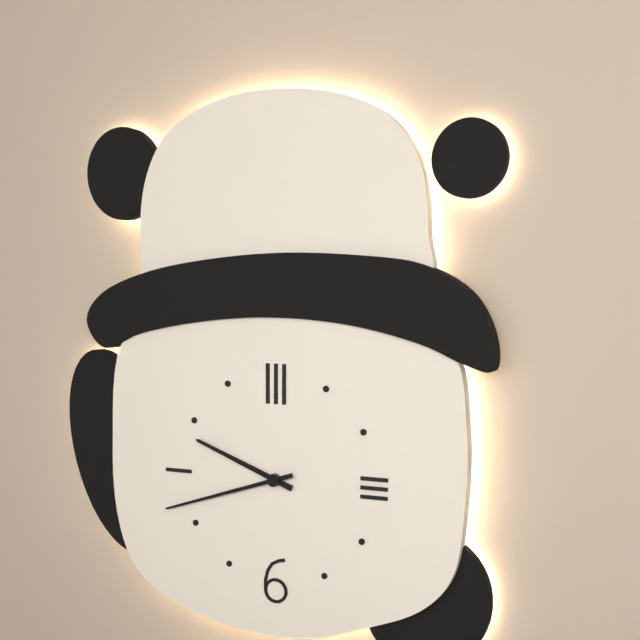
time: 9:42
